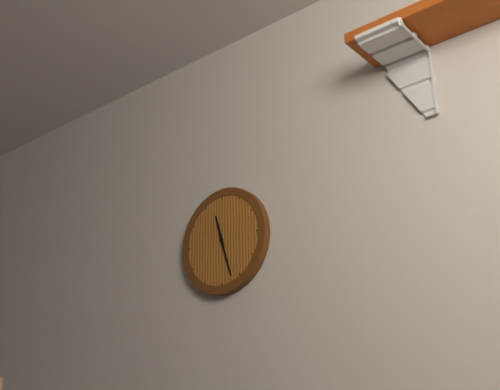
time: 11:27
